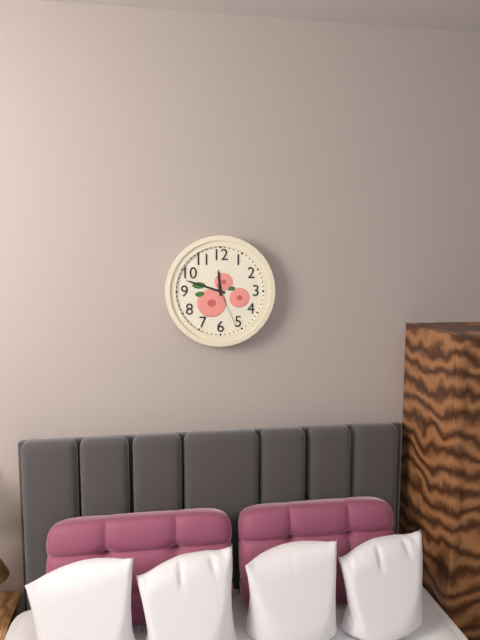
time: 11:48
